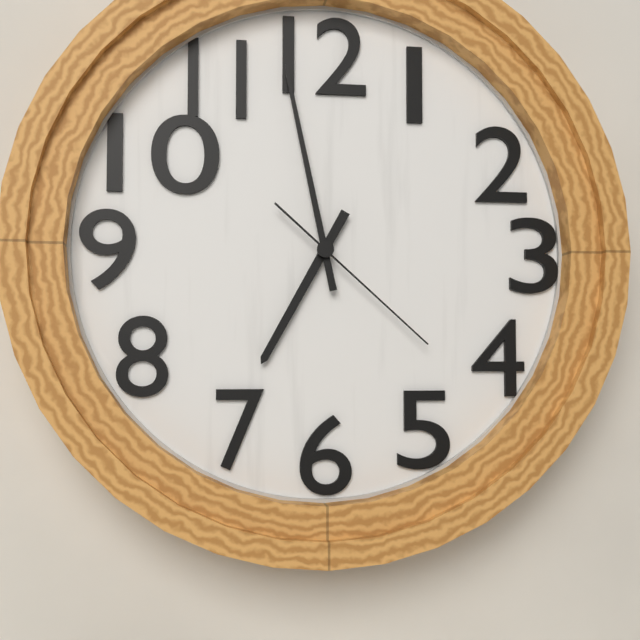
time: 6:58:22
